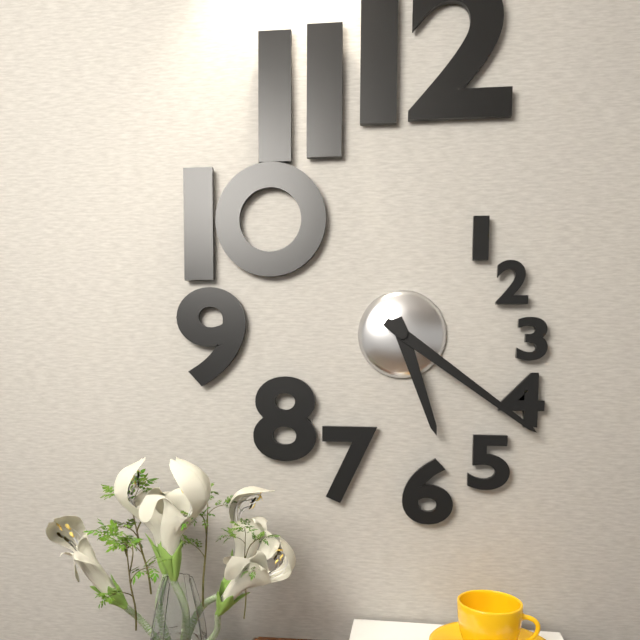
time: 5:21
